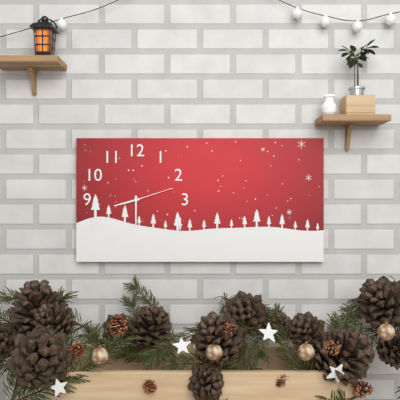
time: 8:30
